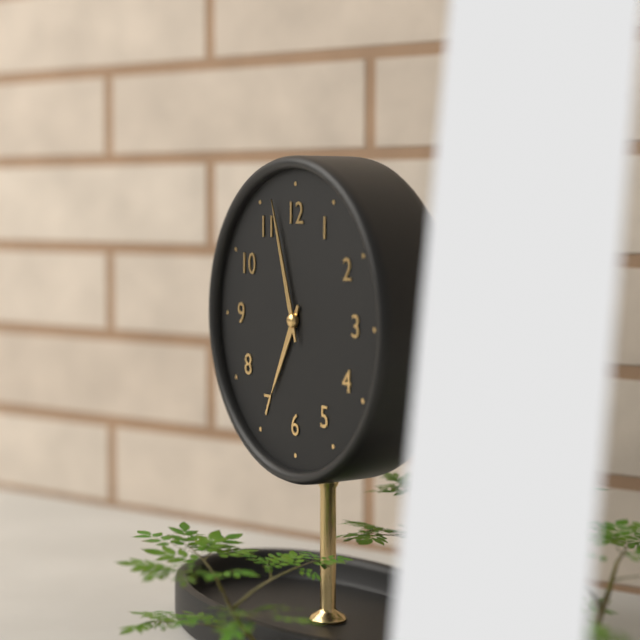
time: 6:57
